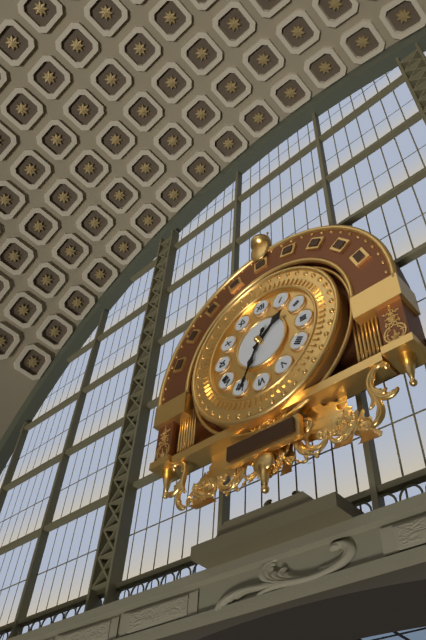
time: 1:34
